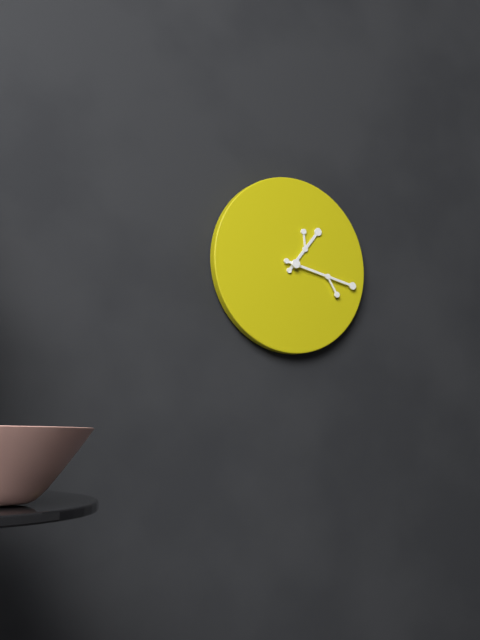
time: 1:17
